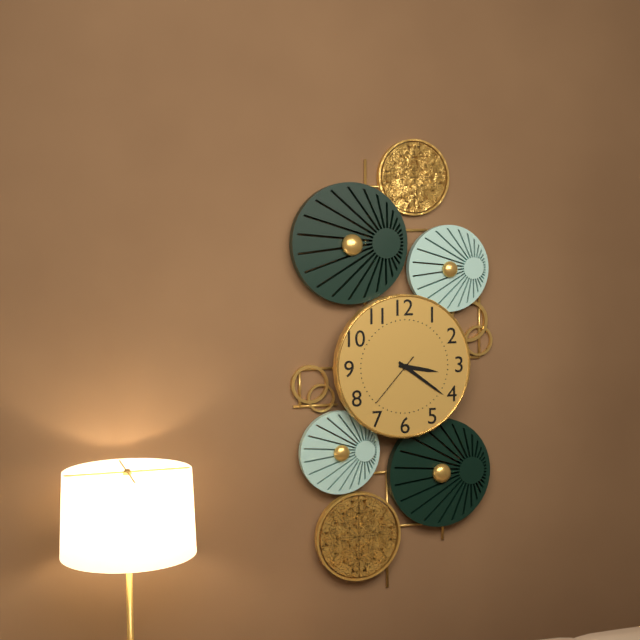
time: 3:21:37
